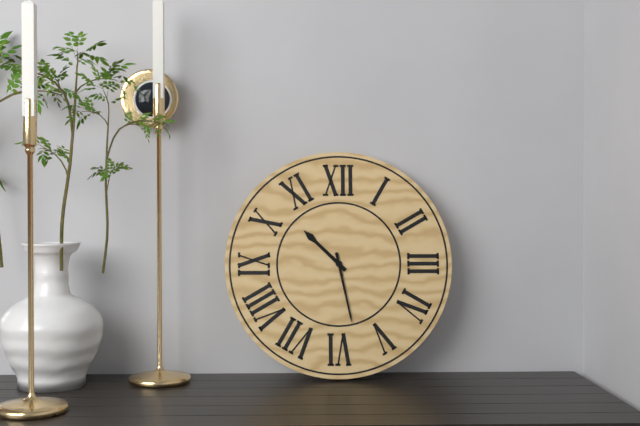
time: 10:28
